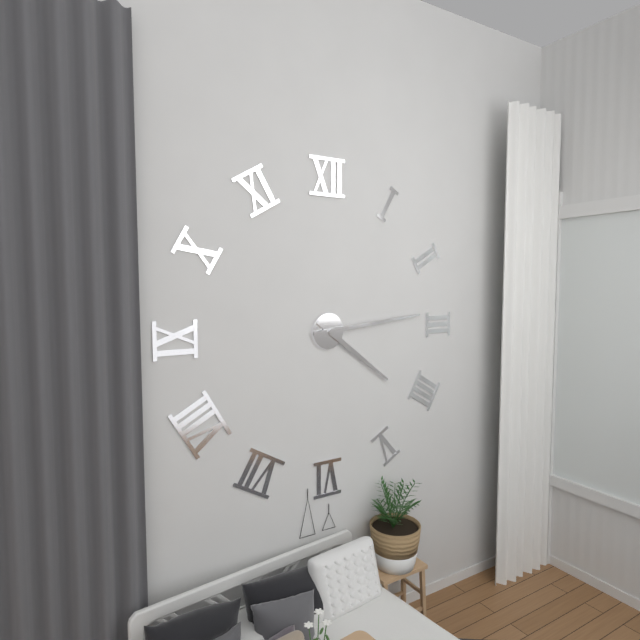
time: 4:14
